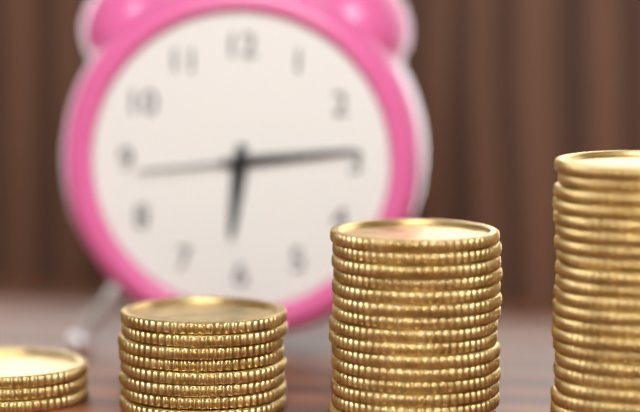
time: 6:14:44
